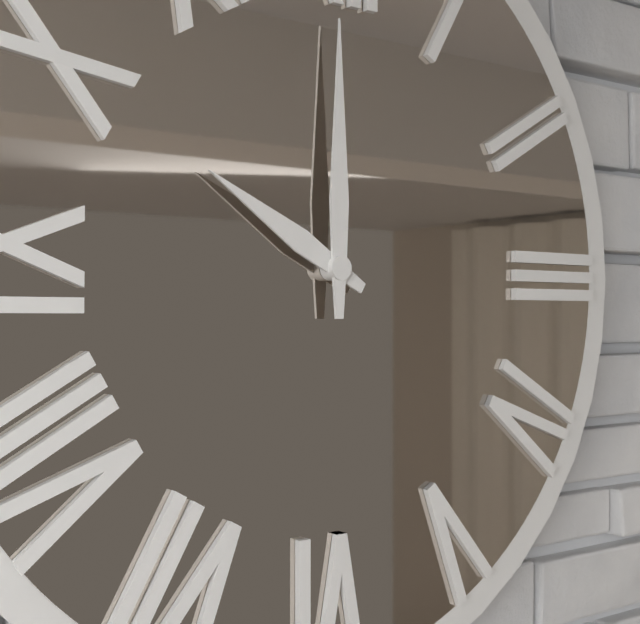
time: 10:00
